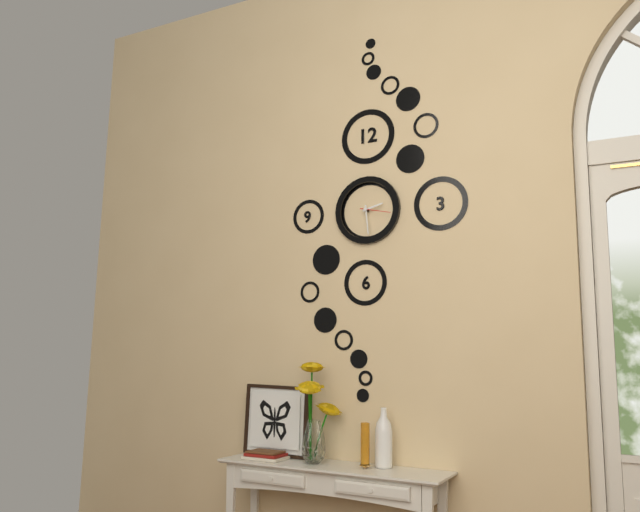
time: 2:29
